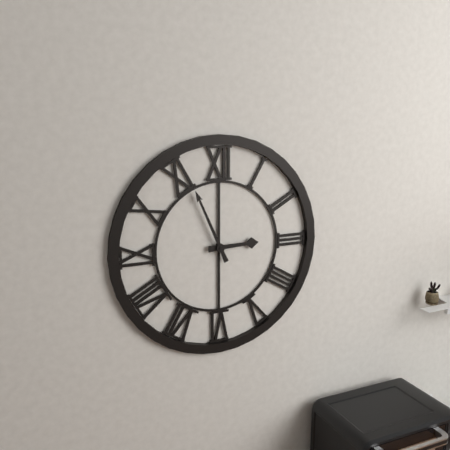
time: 2:56
